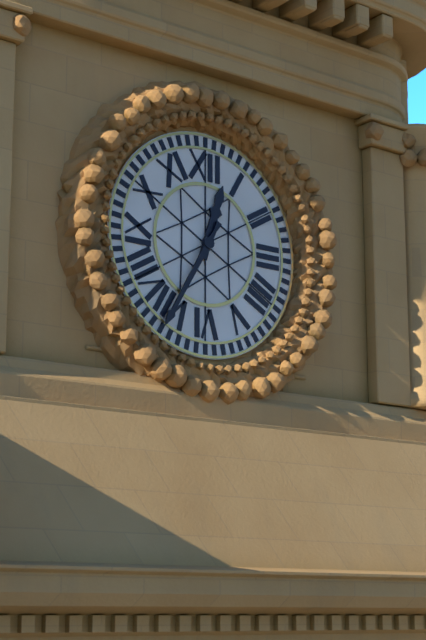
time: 12:35
